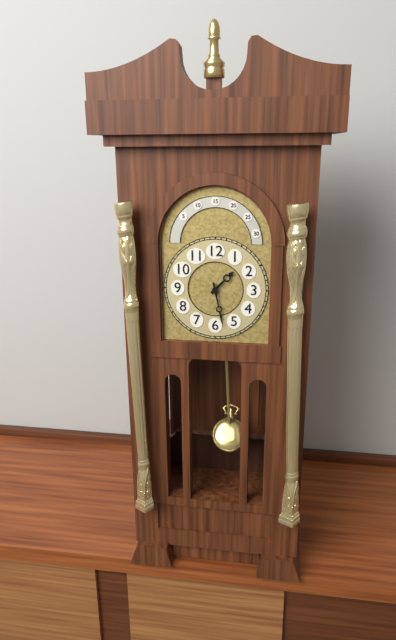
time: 1:28
